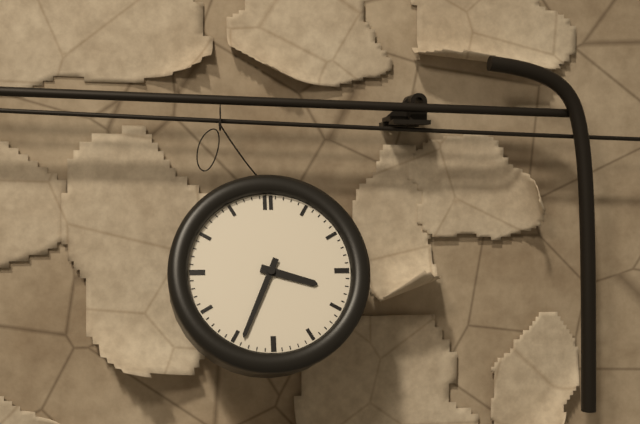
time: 3:34
